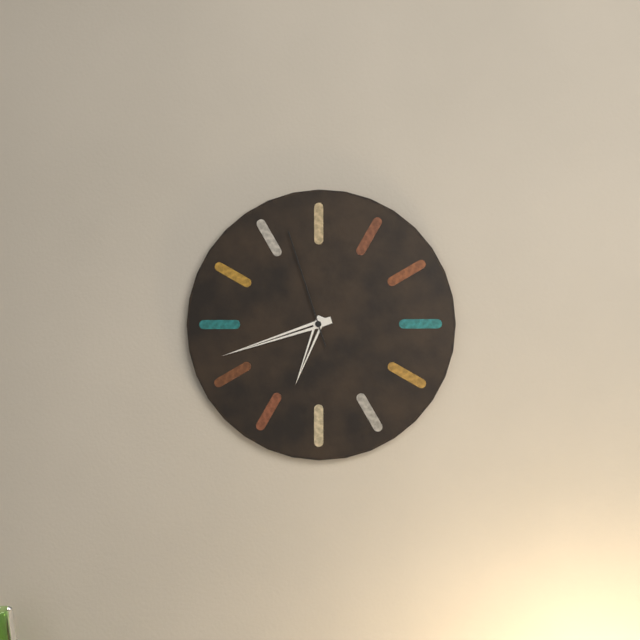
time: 6:42:57
